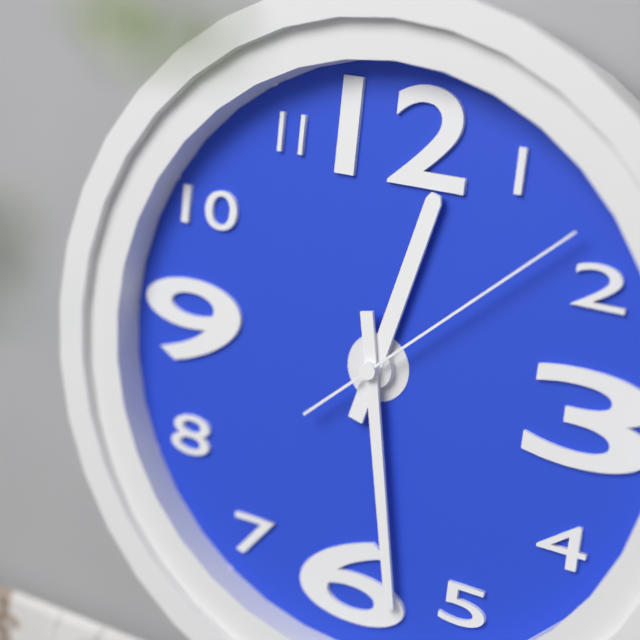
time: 12:28:08
